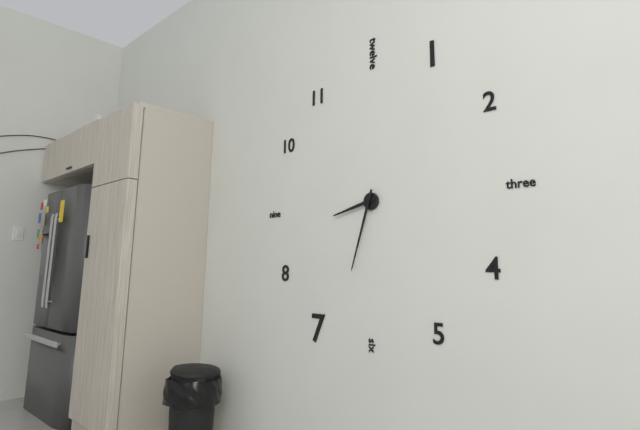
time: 8:33
